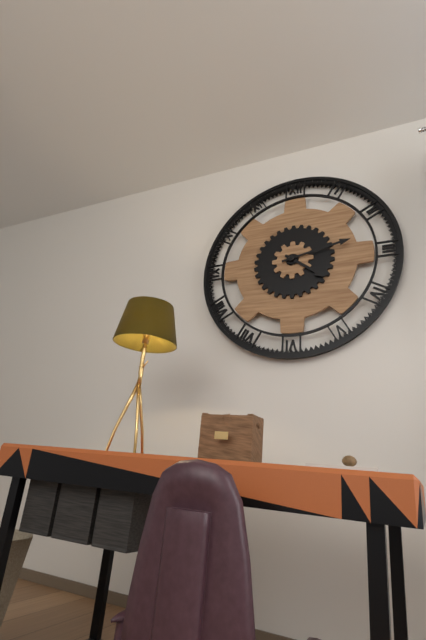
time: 4:13
